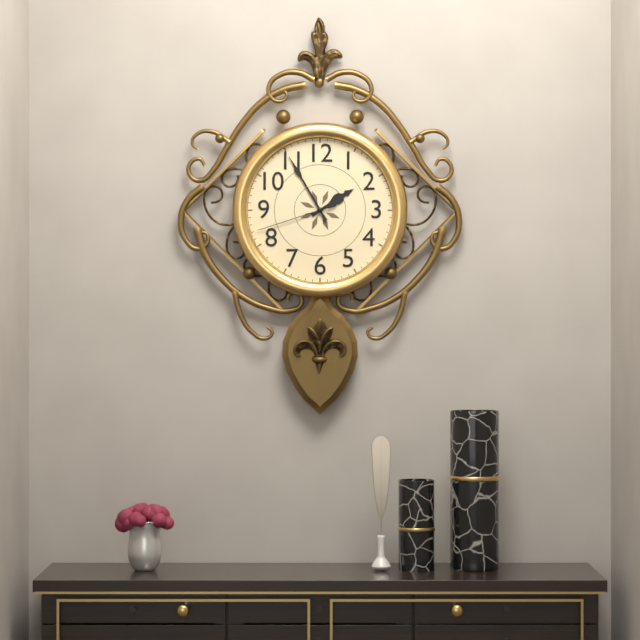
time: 1:55:42
